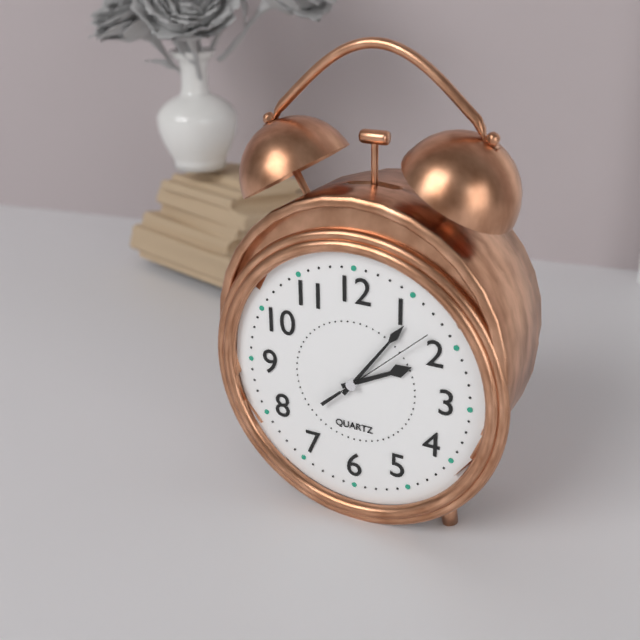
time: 2:06:08
